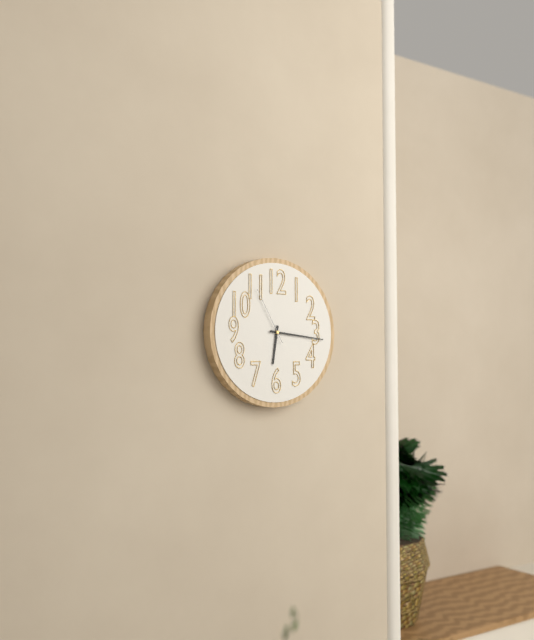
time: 6:16:55
